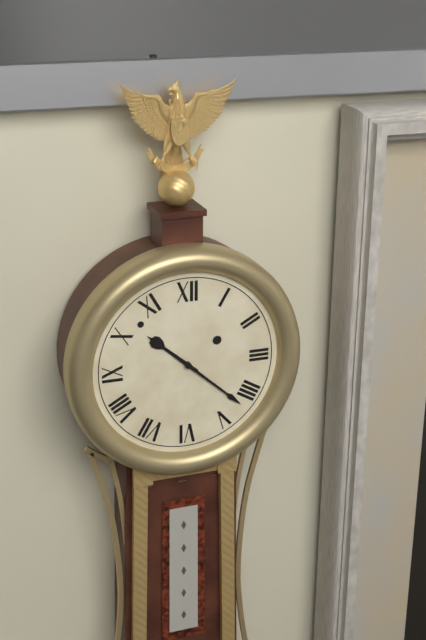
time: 10:22
